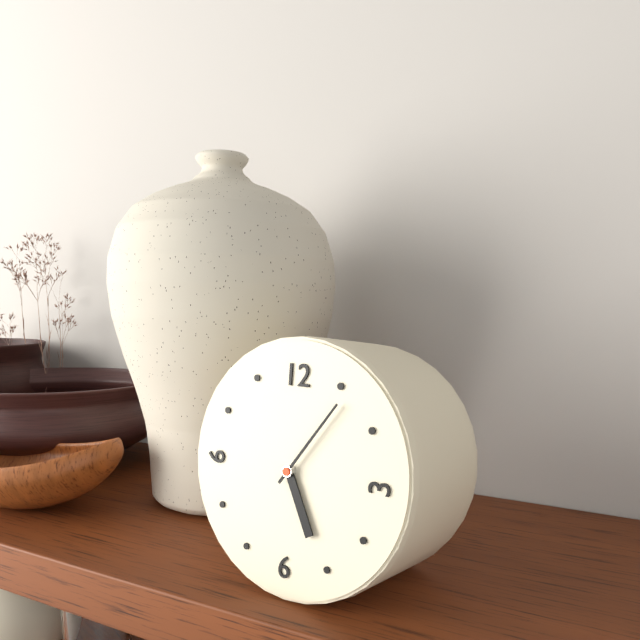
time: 5:06
